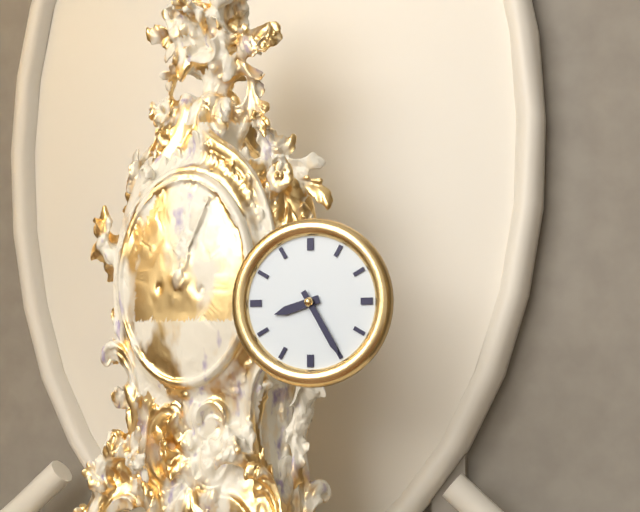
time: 8:25
